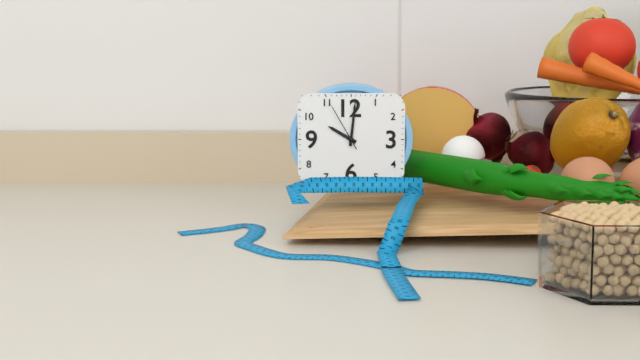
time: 10:01:55
